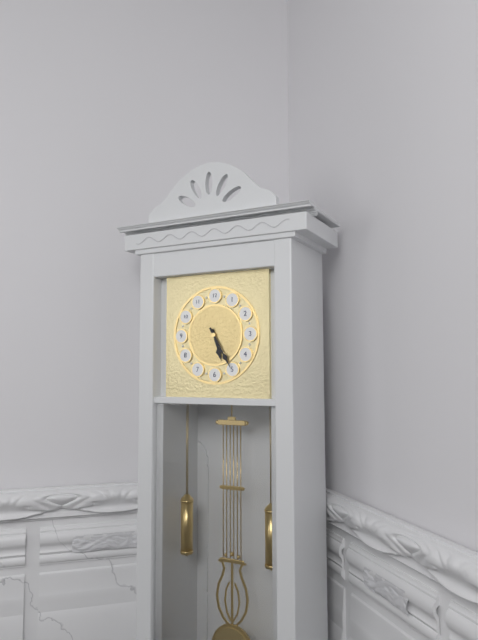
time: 5:25
